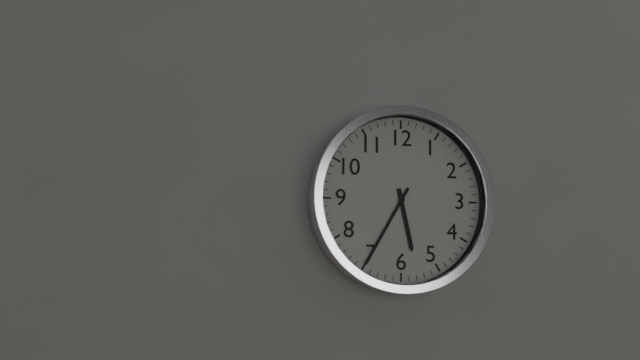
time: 5:35
